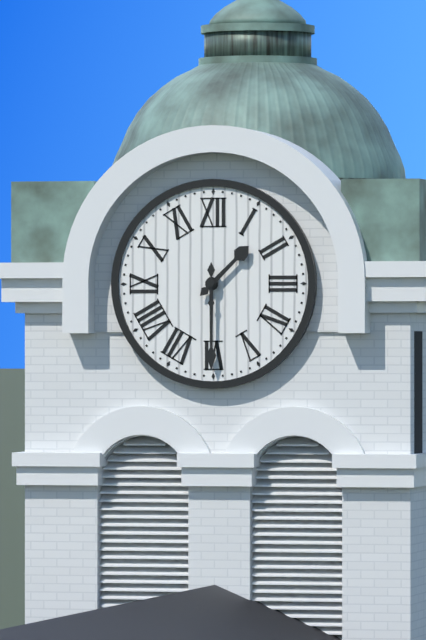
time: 1:30
